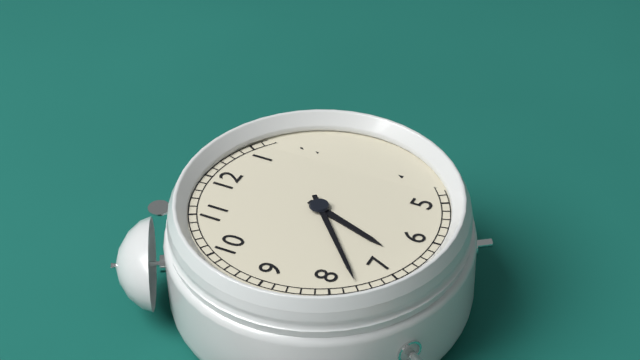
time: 6:38
